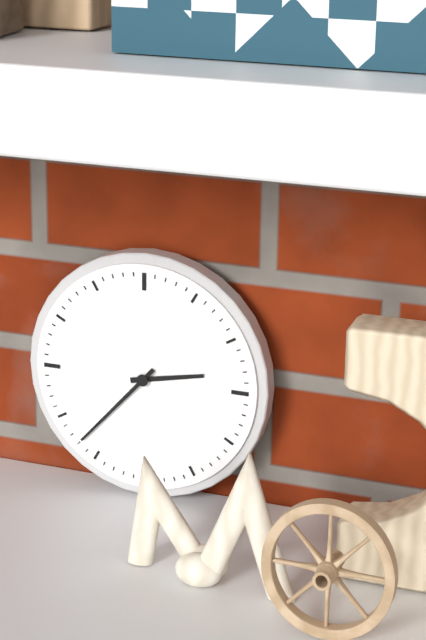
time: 2:37
